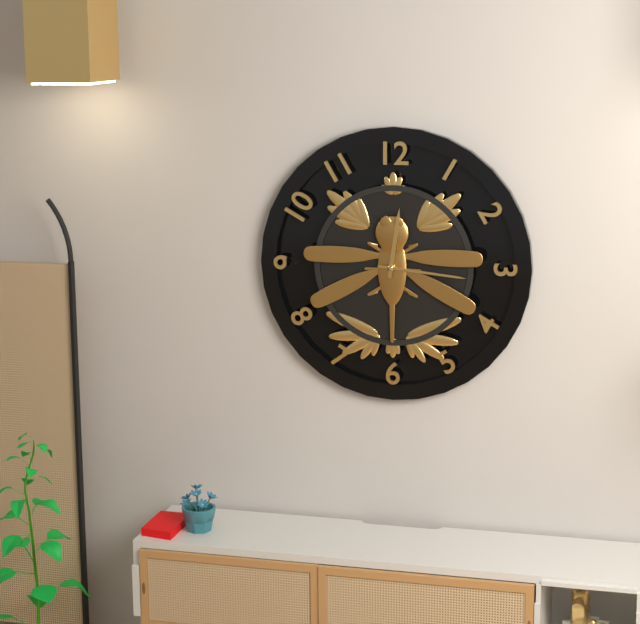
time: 12:16
